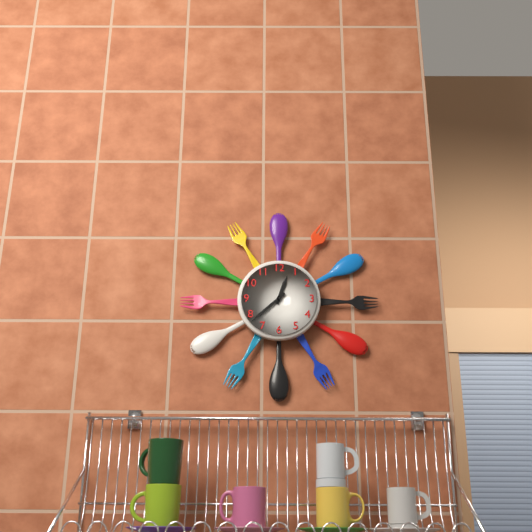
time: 12:38
